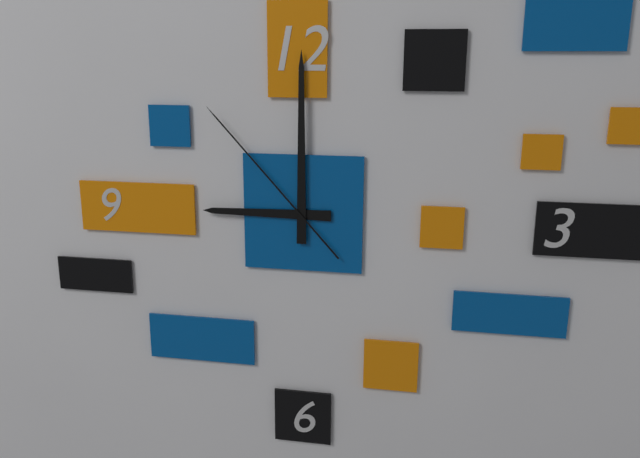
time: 9:00:53
